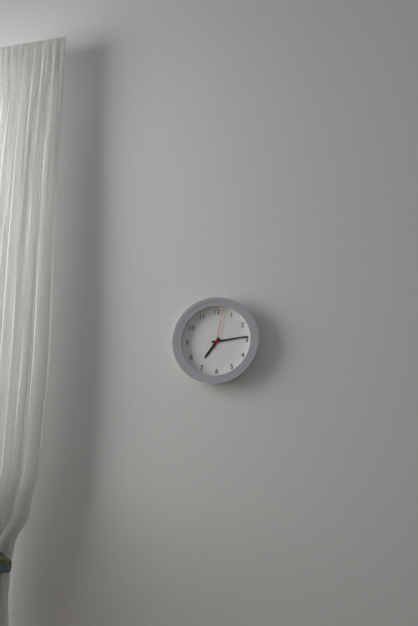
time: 7:14
